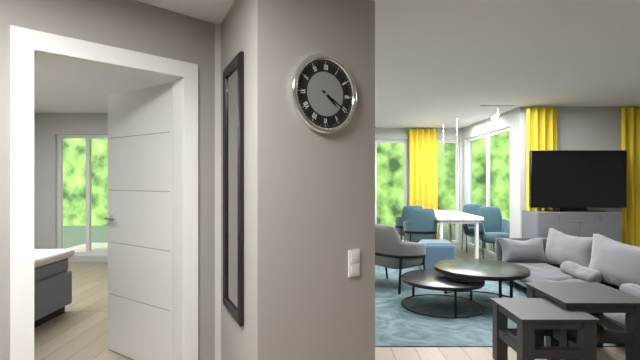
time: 4:20
